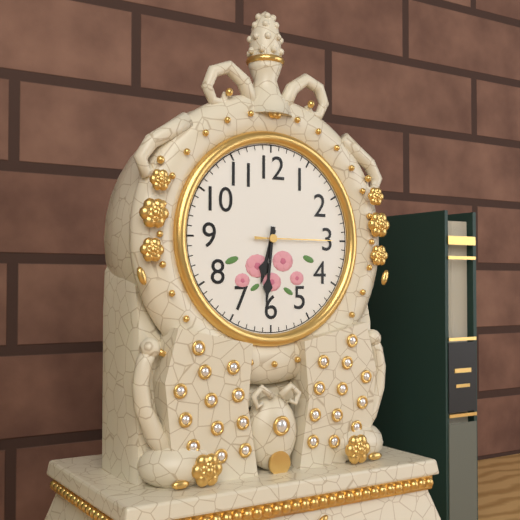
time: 6:31:15
